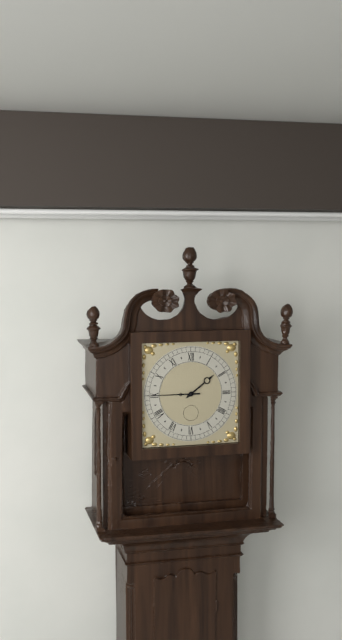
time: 1:45
